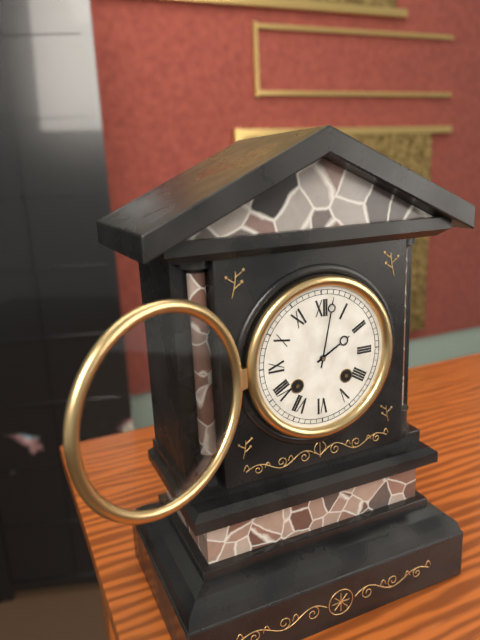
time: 2:02
